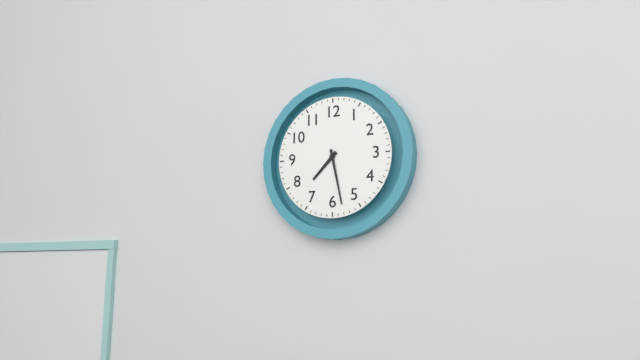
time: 7:28
